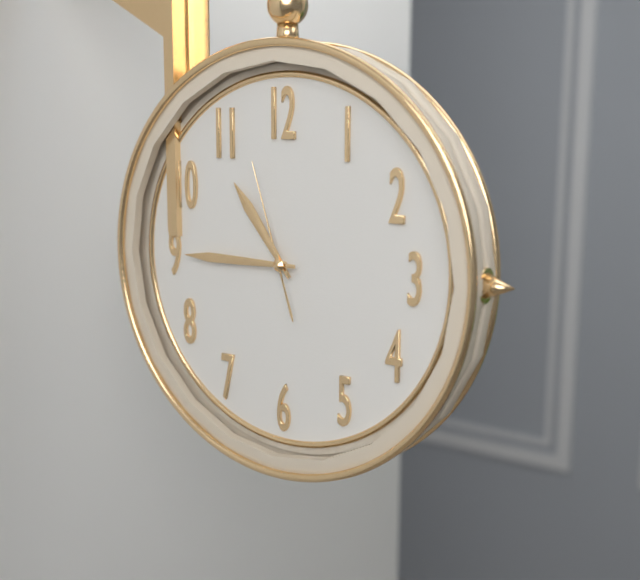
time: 10:45:57
